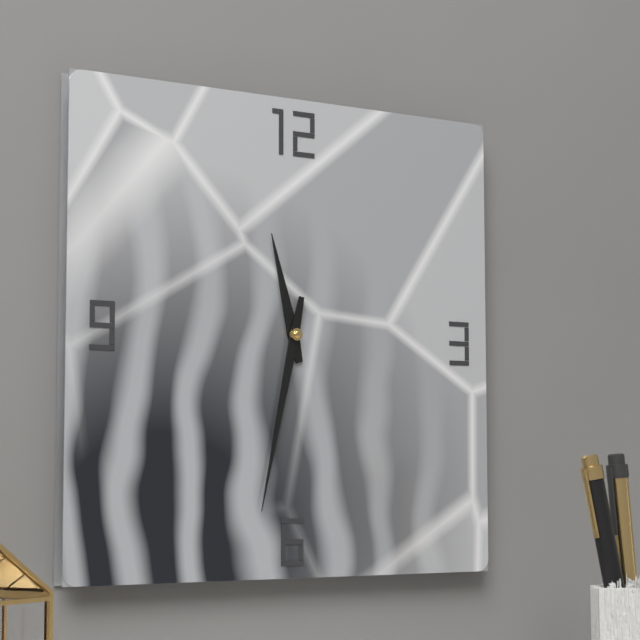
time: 11:32
